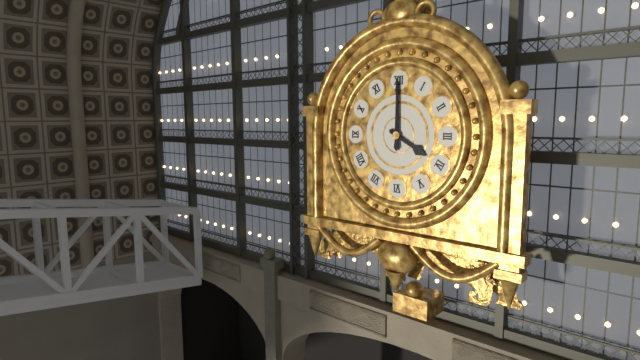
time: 4:00
